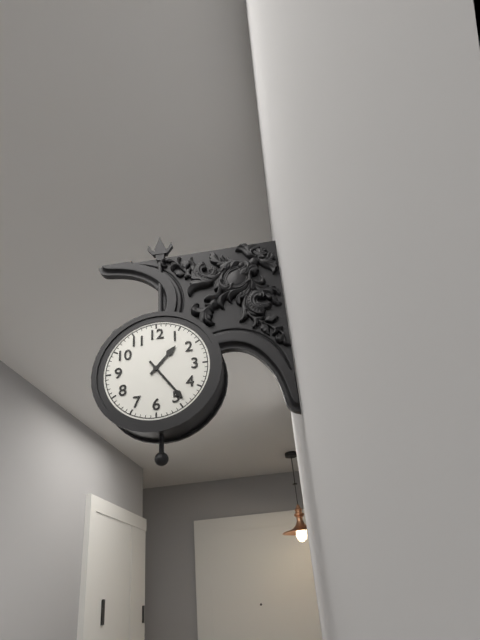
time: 1:24
